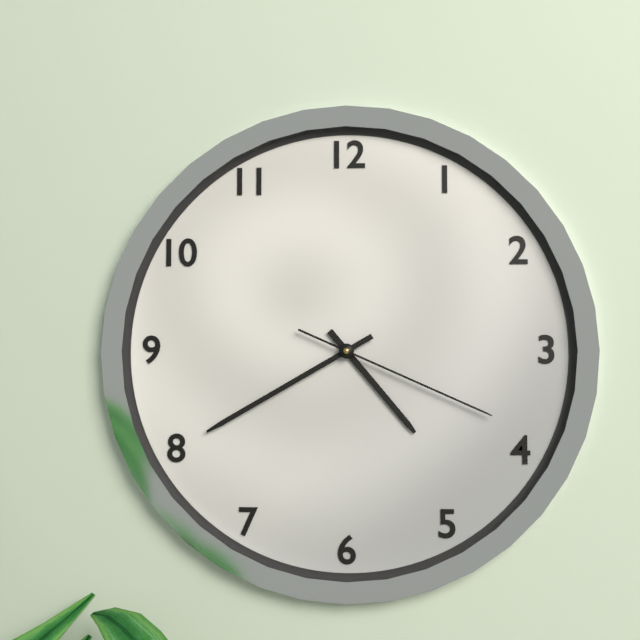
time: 4:40:19
